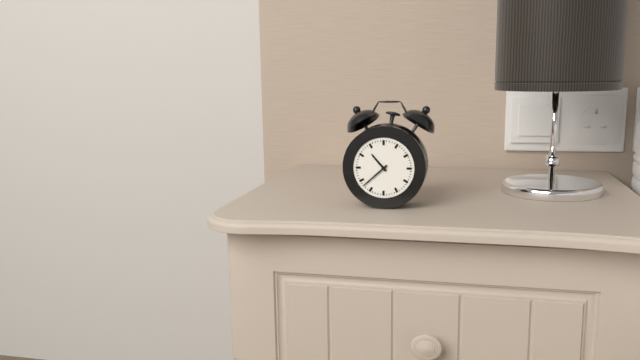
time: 10:38
